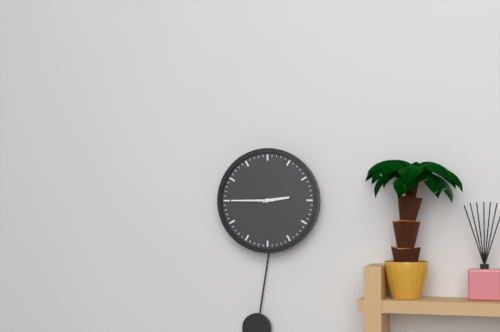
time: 2:45
